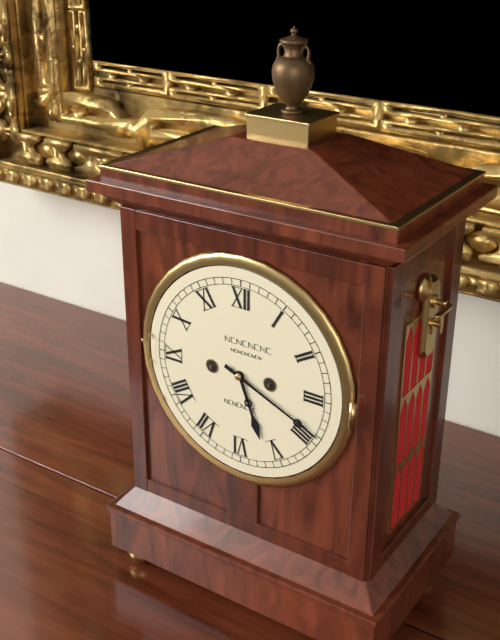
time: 5:19
